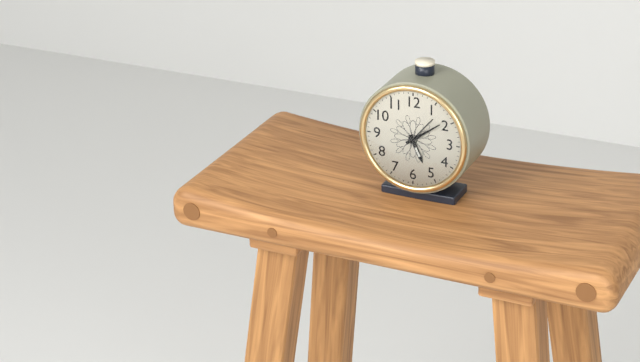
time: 5:09
